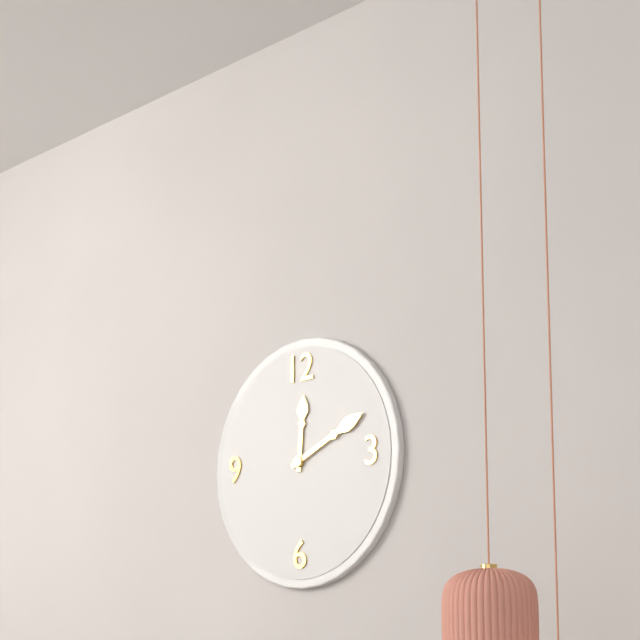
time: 12:11
